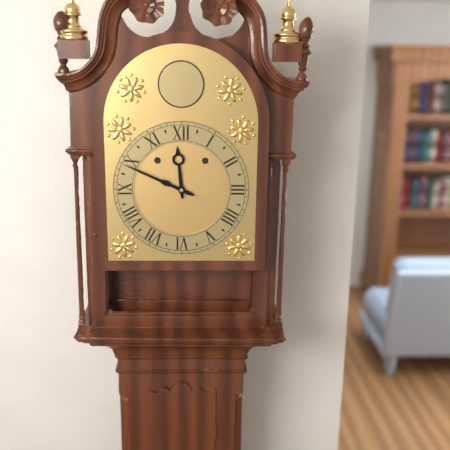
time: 11:49
